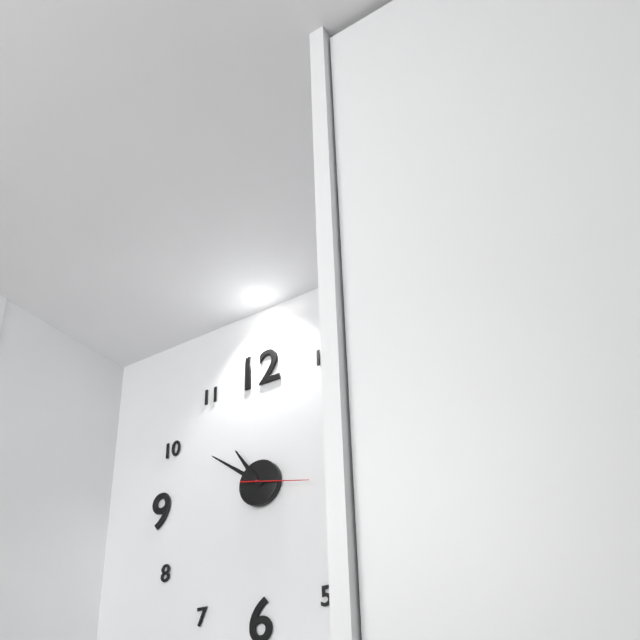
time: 10:51:17
